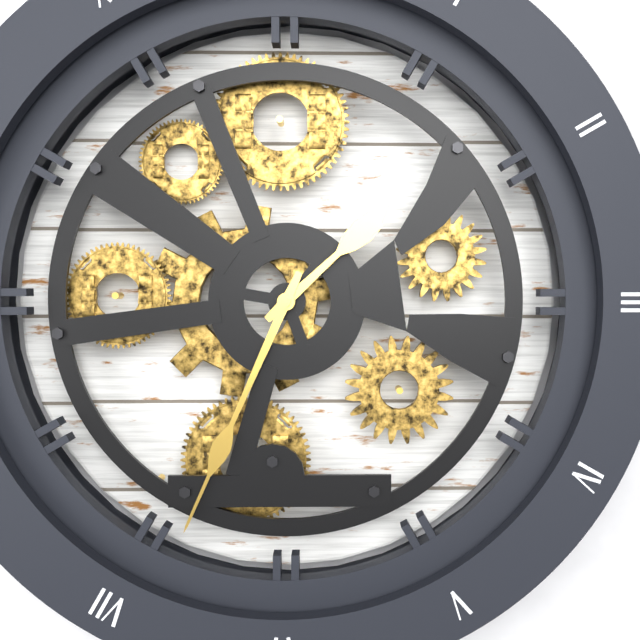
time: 1:34
